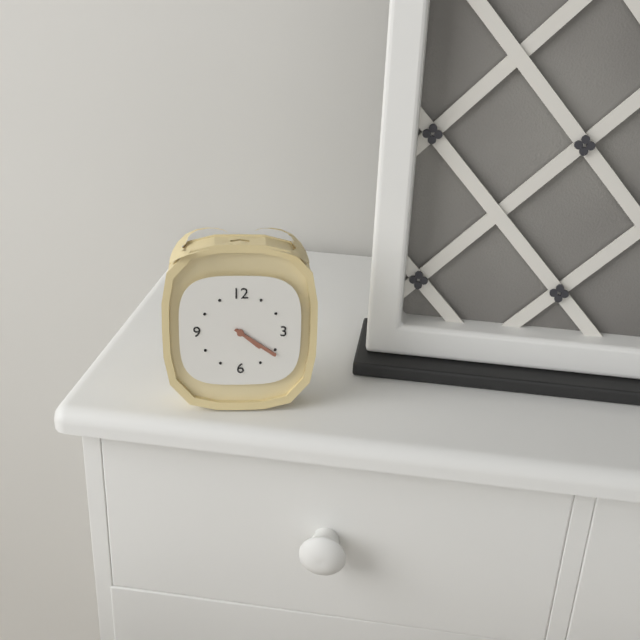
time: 4:21
